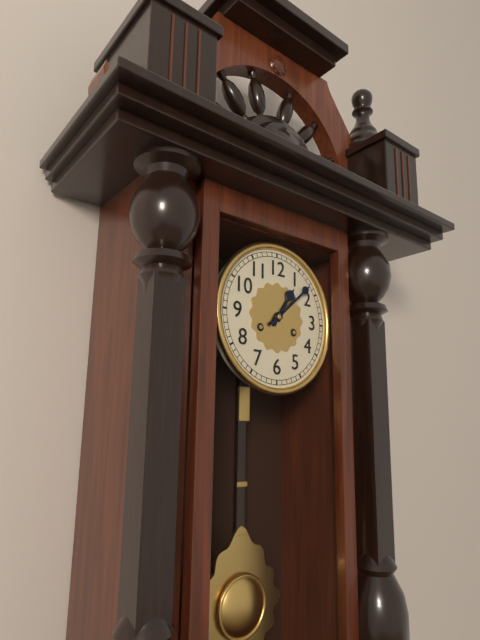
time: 1:08
